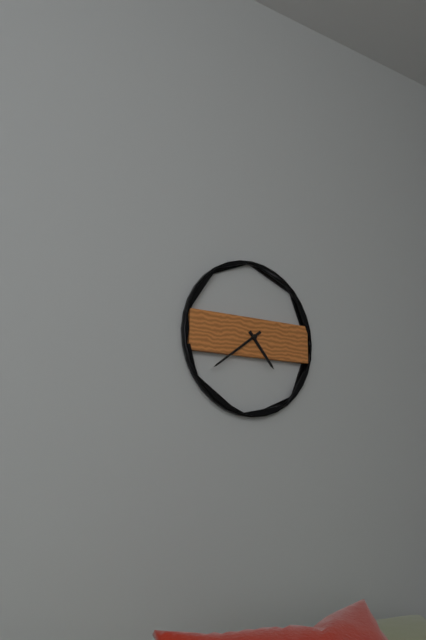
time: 4:39
